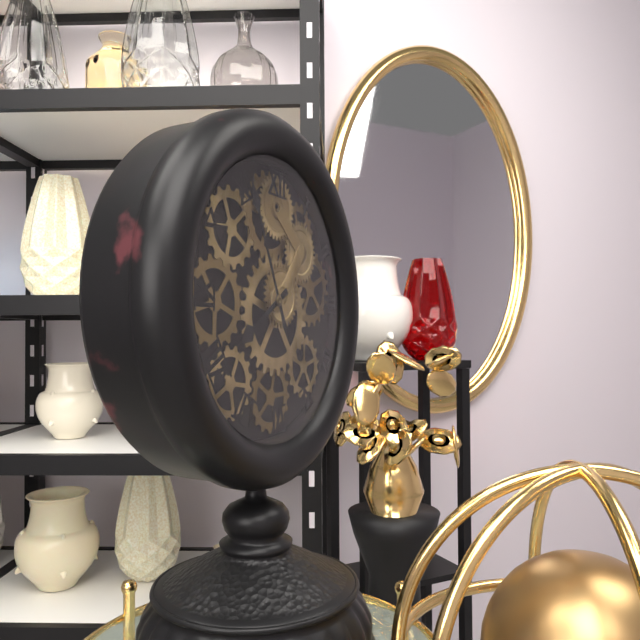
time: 7:56
